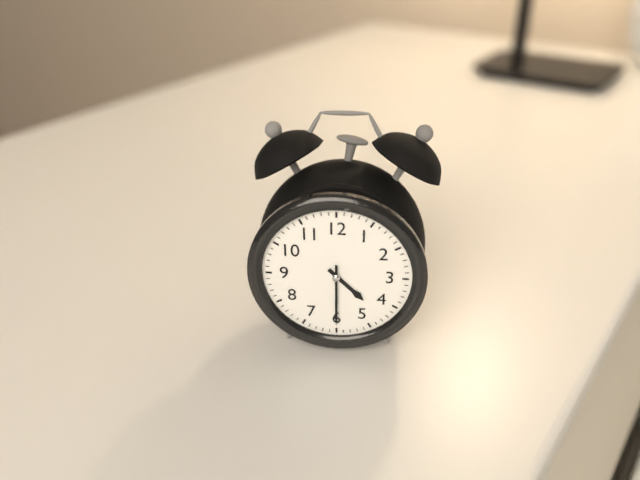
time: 4:30
